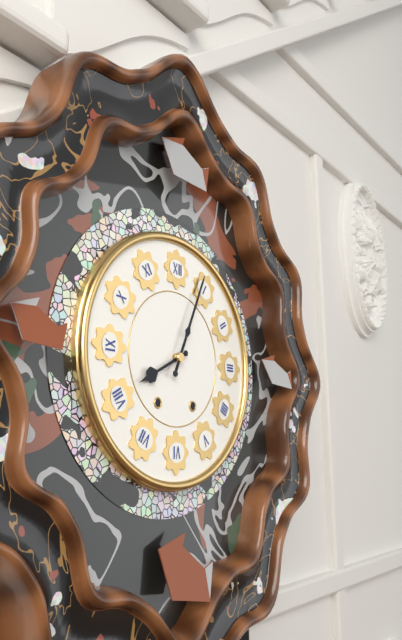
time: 8:04
